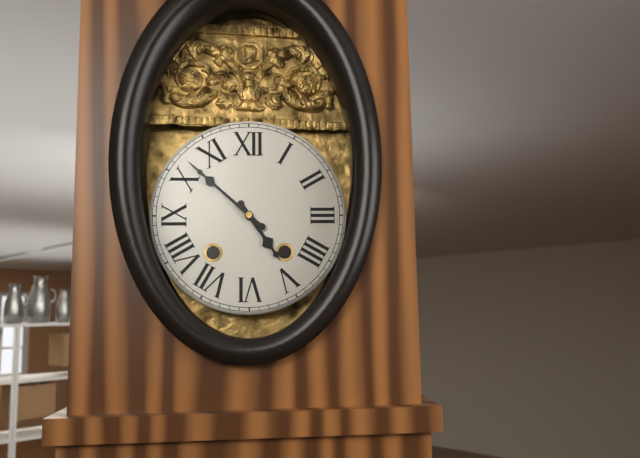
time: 4:52
